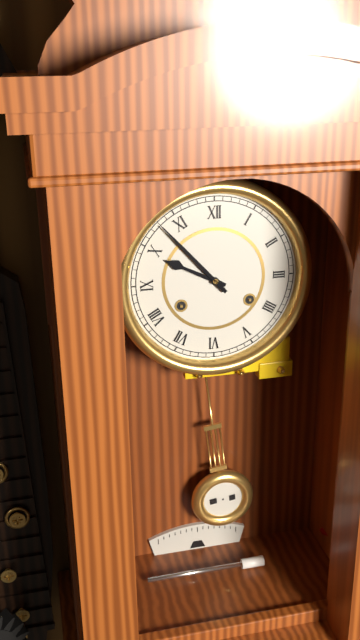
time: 9:53
